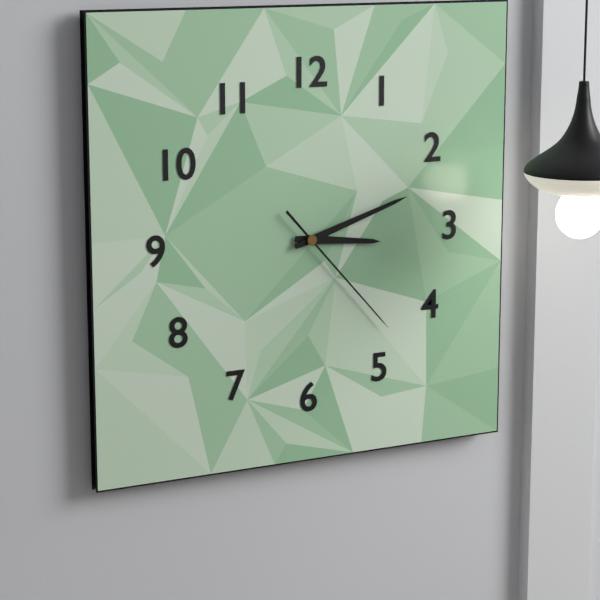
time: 3:12:23
